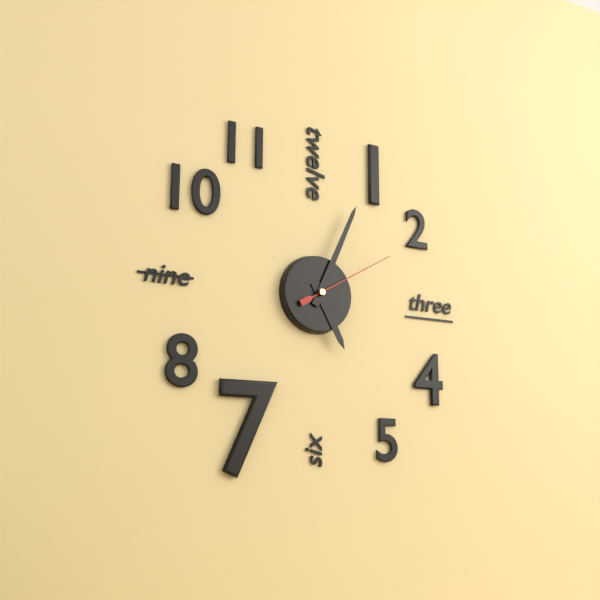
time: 5:04:10
